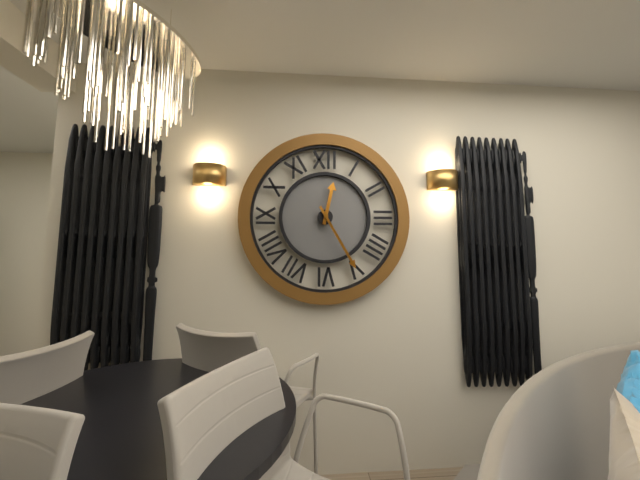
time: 12:25
